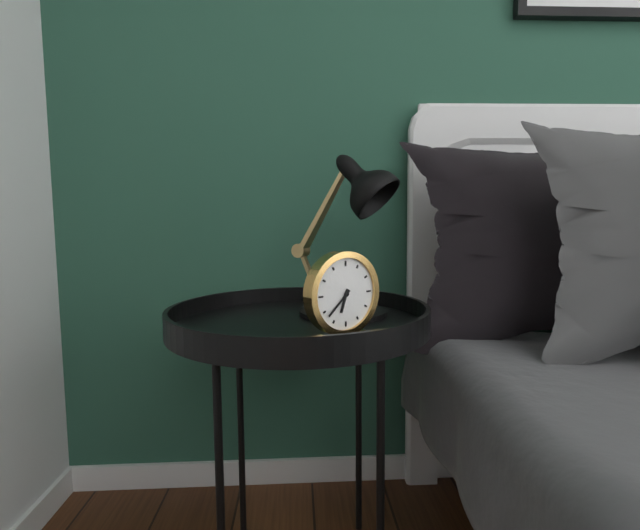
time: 6:38
